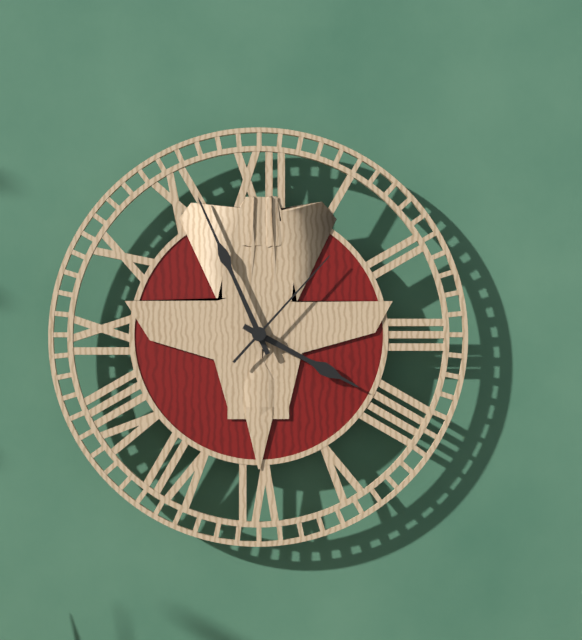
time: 3:56:07
